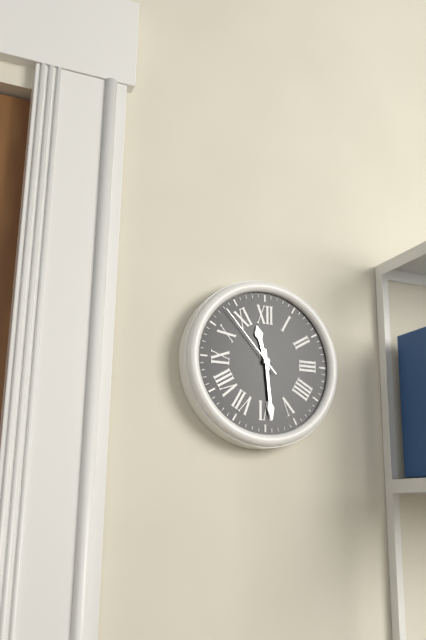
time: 11:29:53
